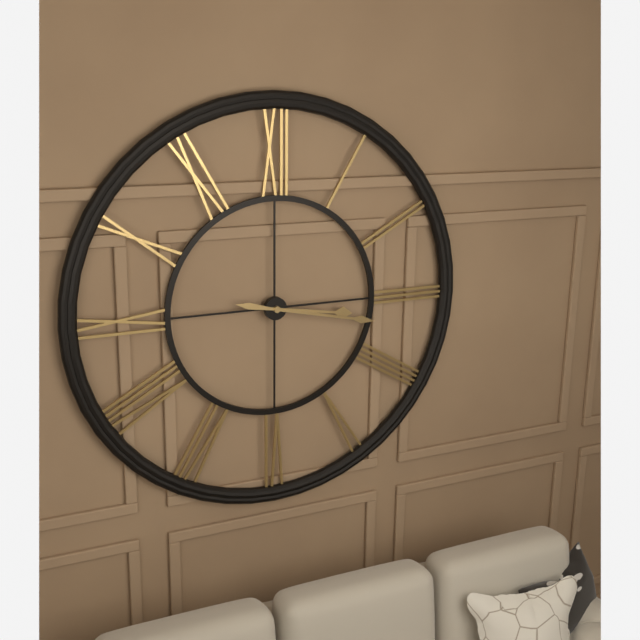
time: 3:17
